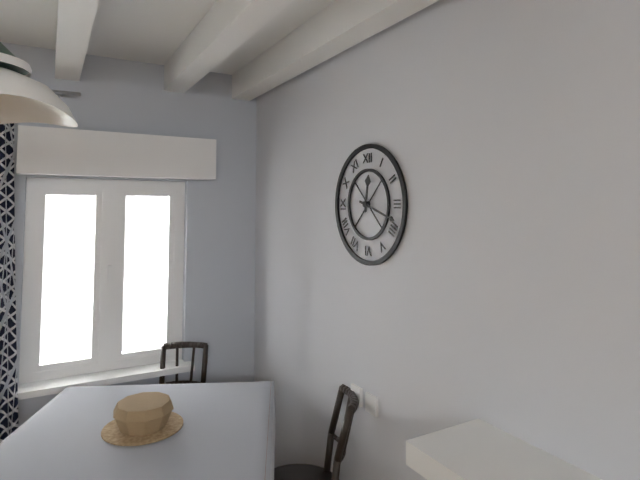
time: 12:18
